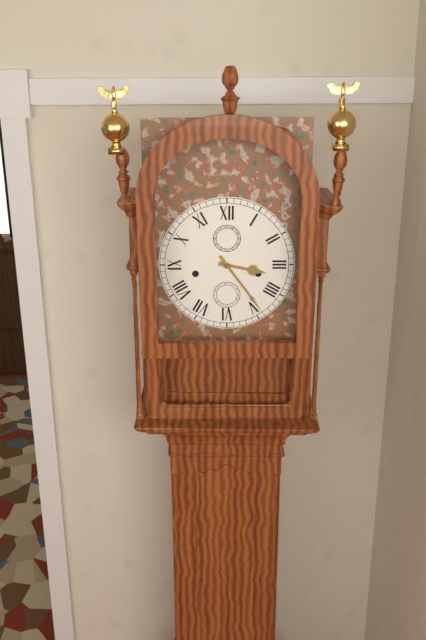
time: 3:24
